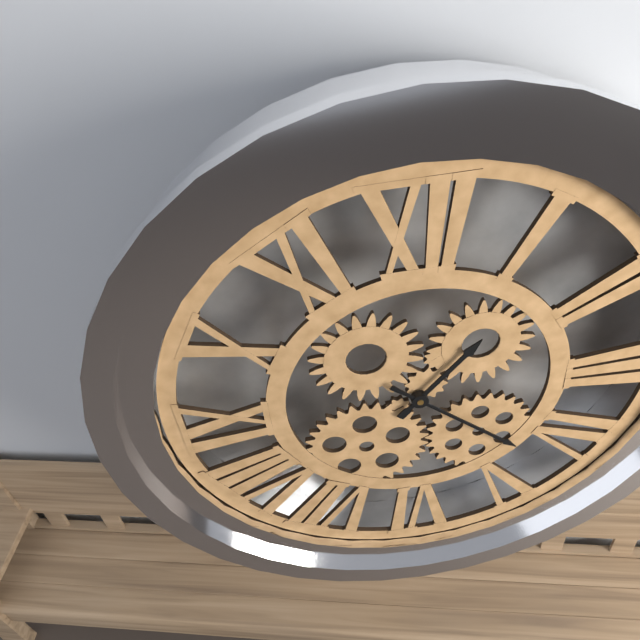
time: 1:22
